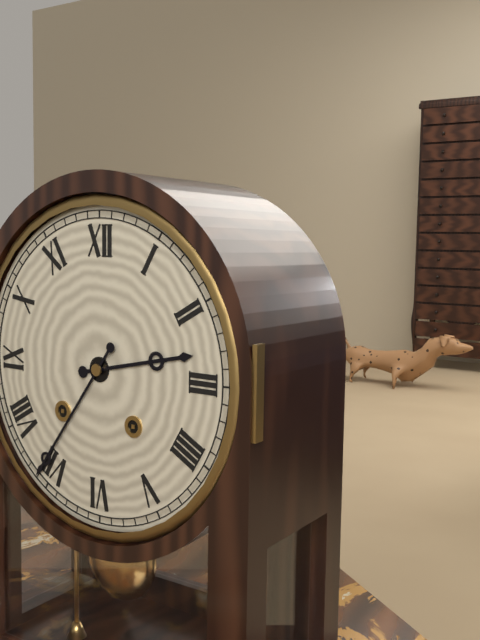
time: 2:36
